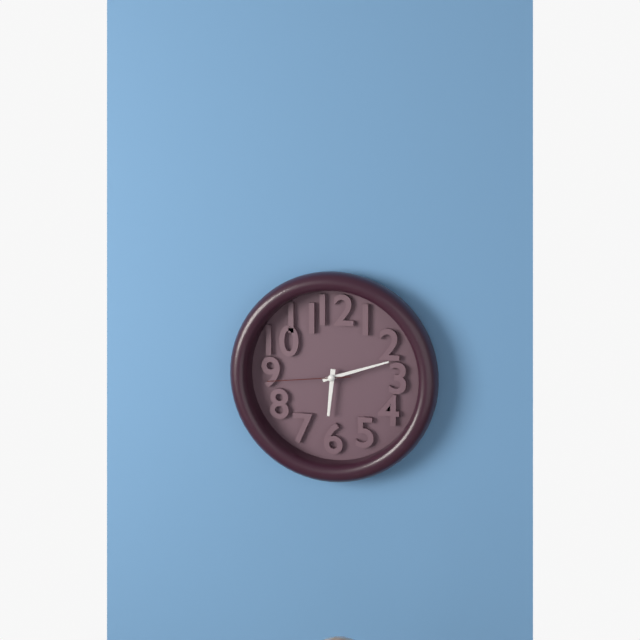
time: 6:12:44
